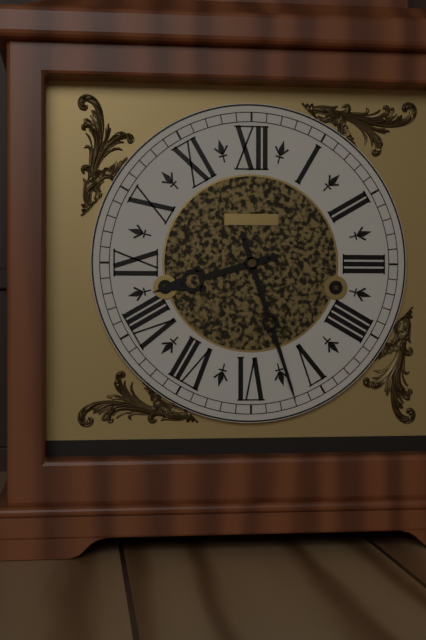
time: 8:27
